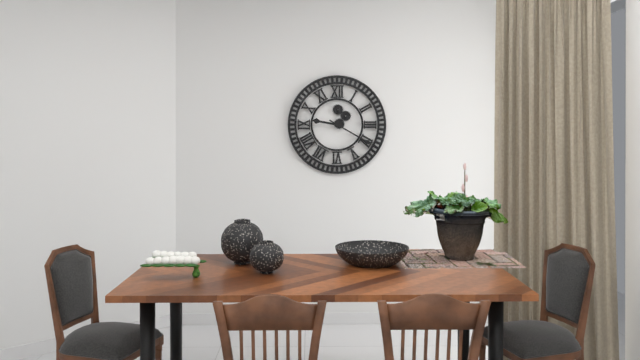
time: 9:20
